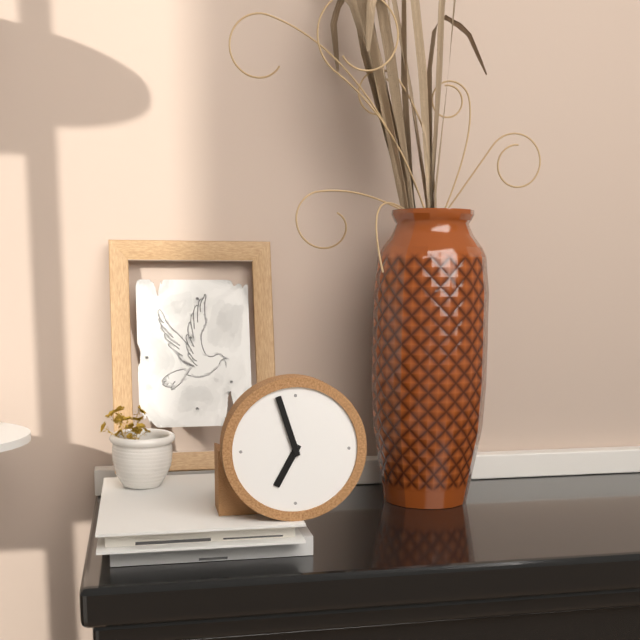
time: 6:57
